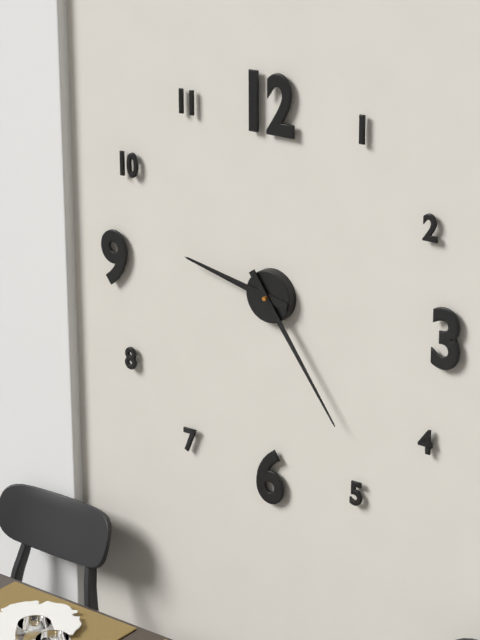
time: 9:24
